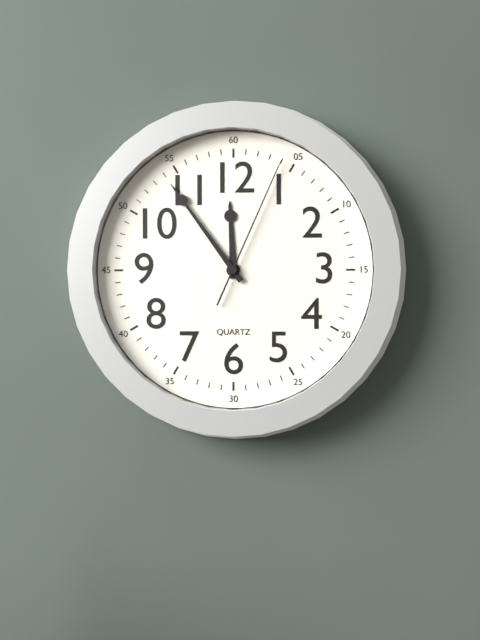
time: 11:54:04
